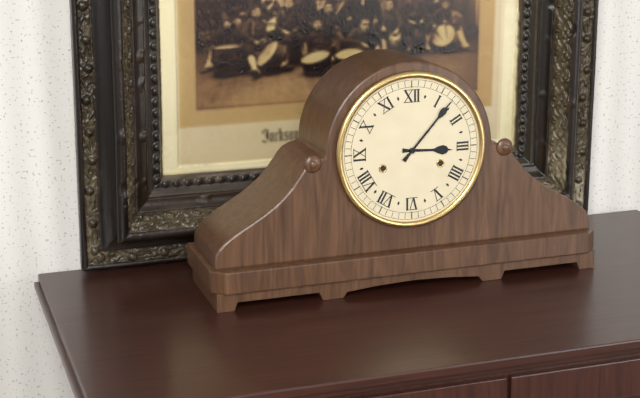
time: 3:07
